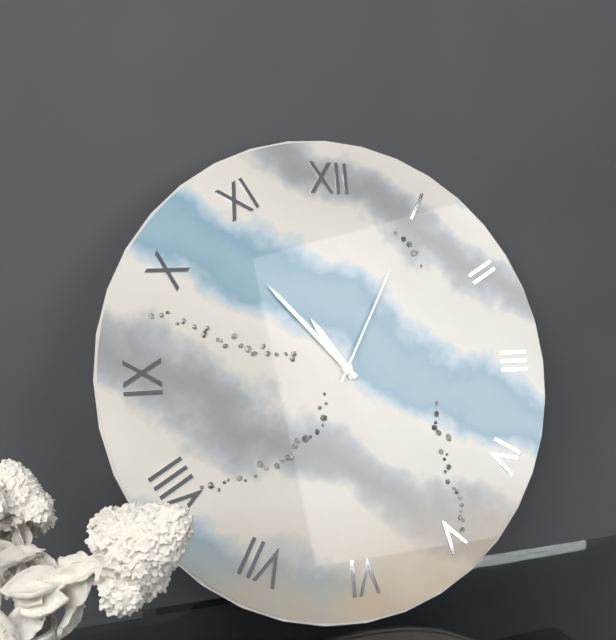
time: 10:53:05
